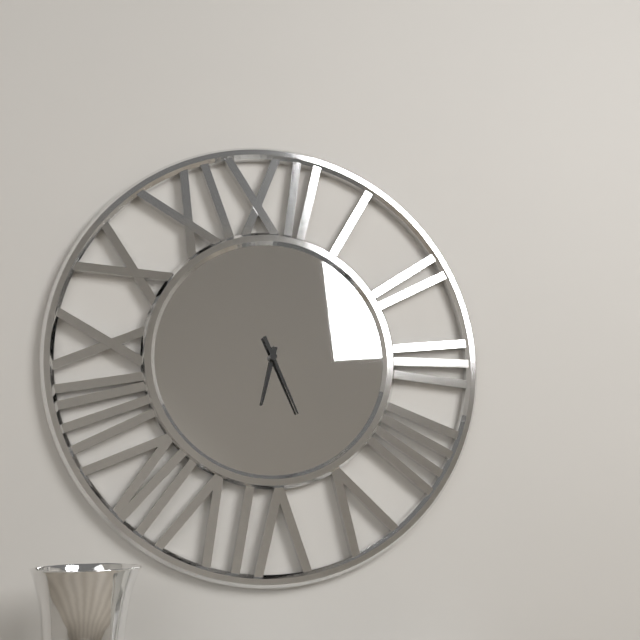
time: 6:26
